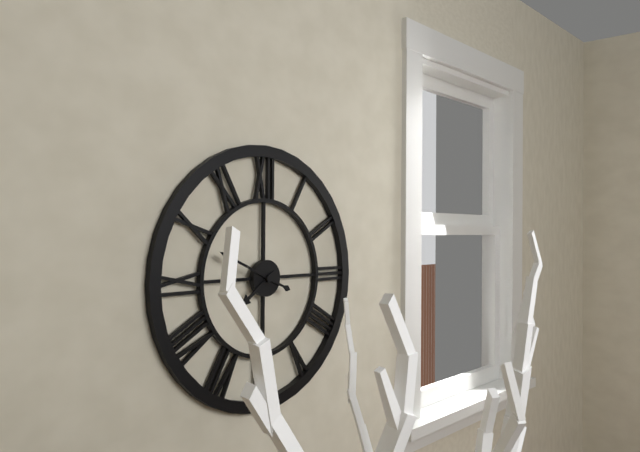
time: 7:49
